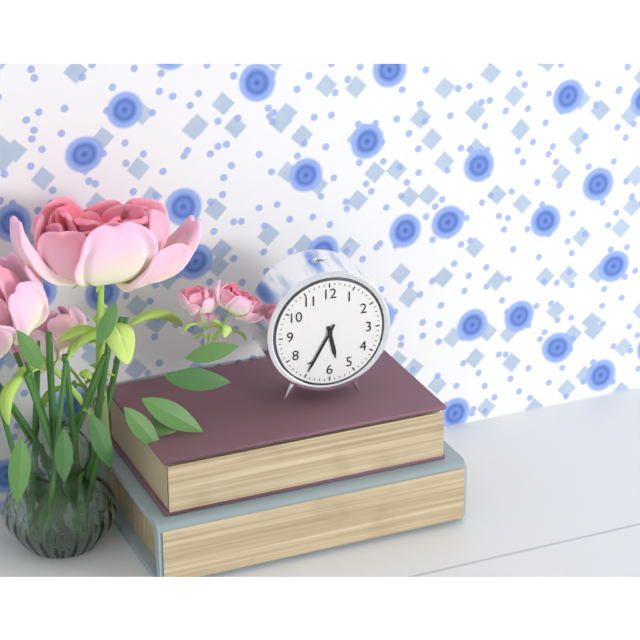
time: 5:35
